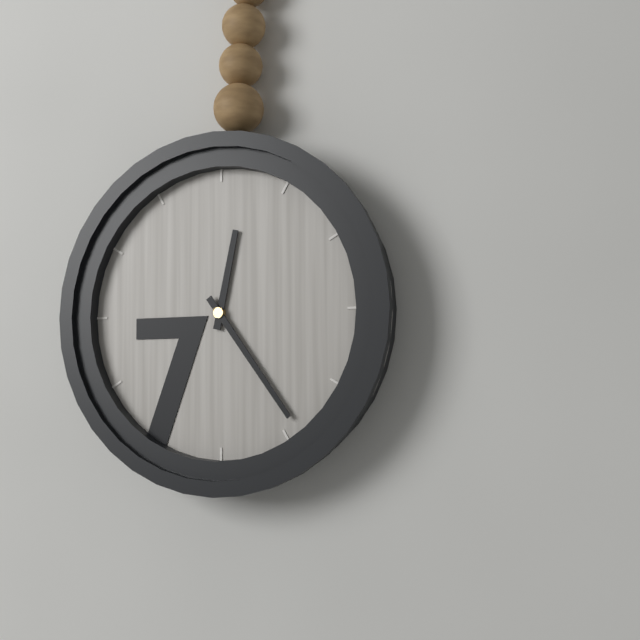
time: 12:24
